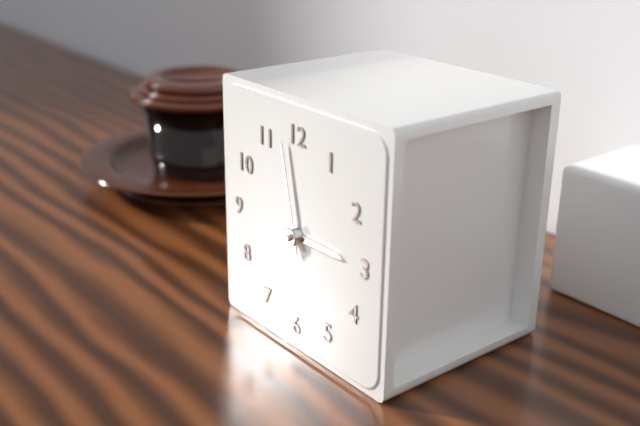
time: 2:58
